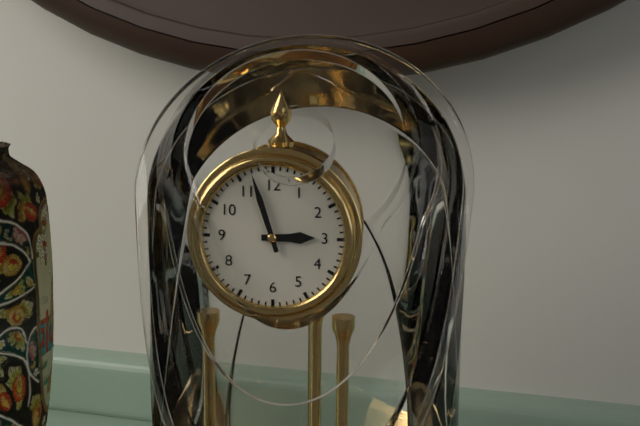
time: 2:57
